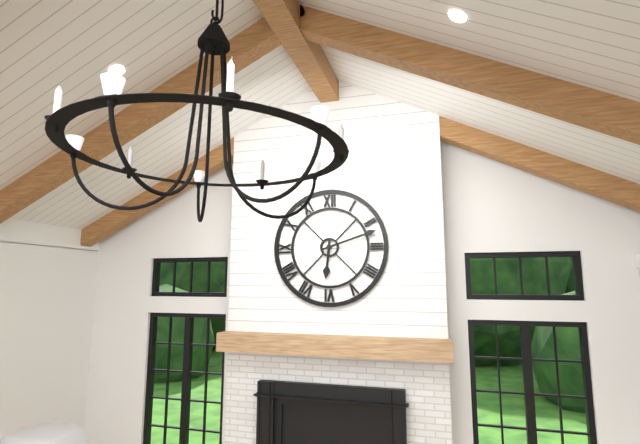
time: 6:12
